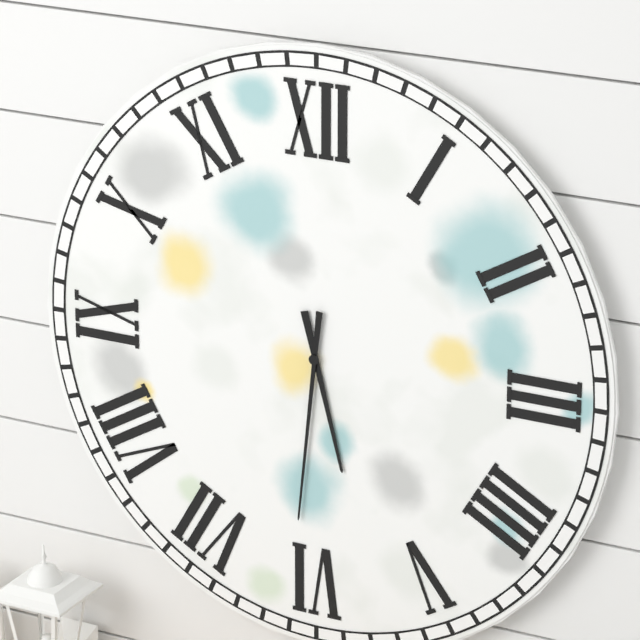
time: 5:31
